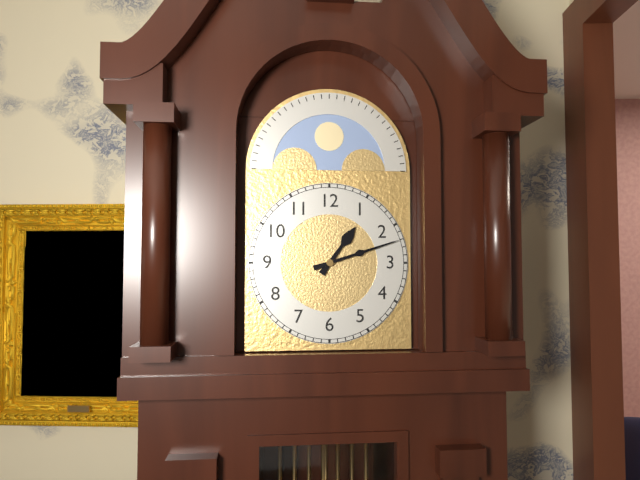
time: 1:12
